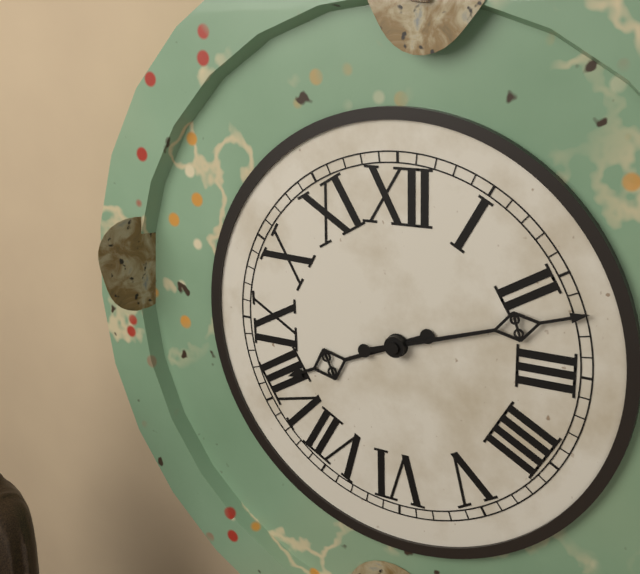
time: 8:12
